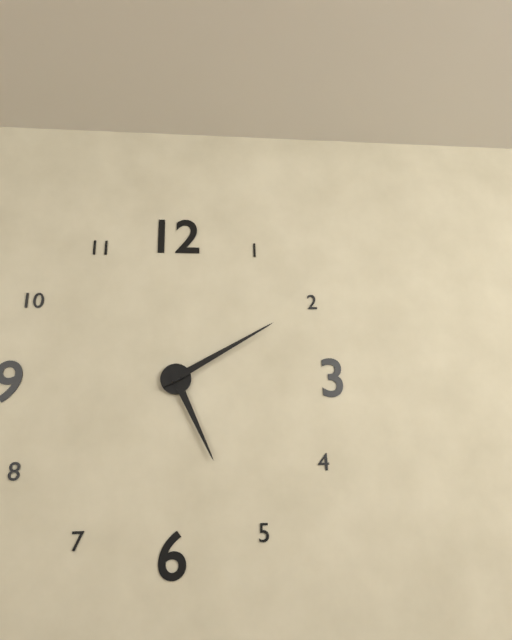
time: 5:10
